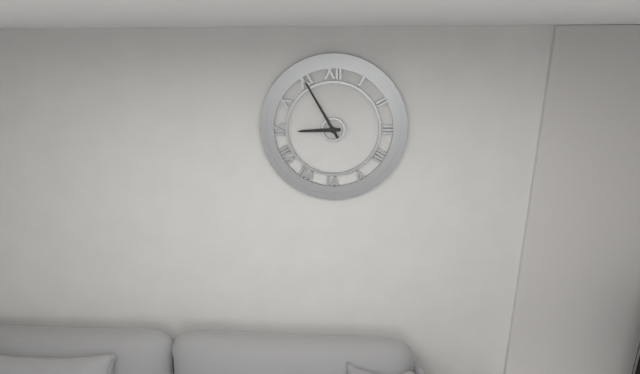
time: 8:55
